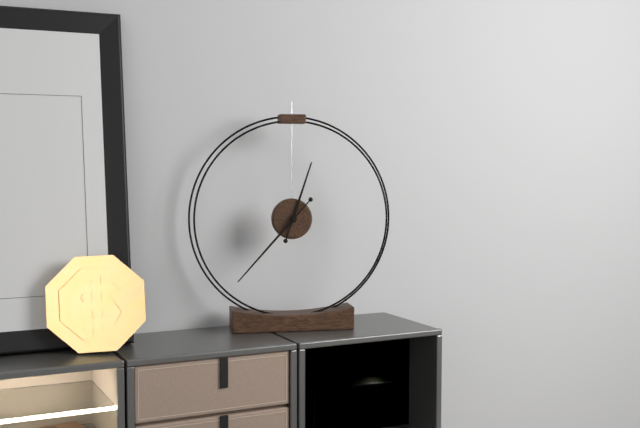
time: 12:37
